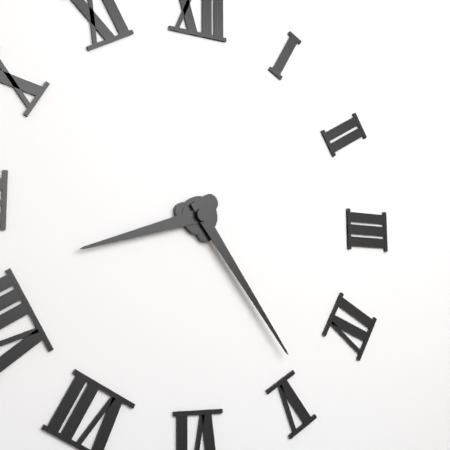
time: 8:24
